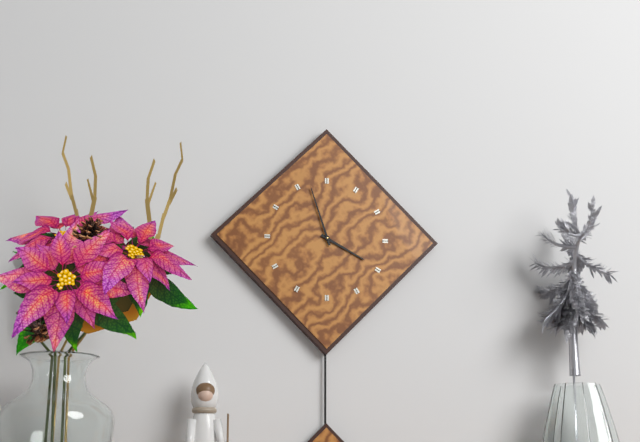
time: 3:57
